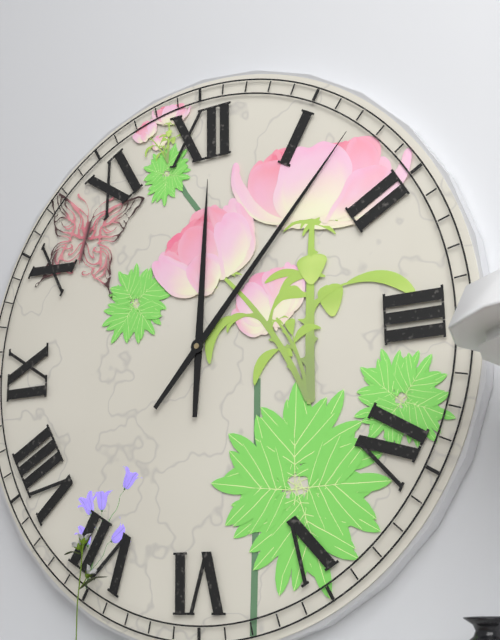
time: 12:07
